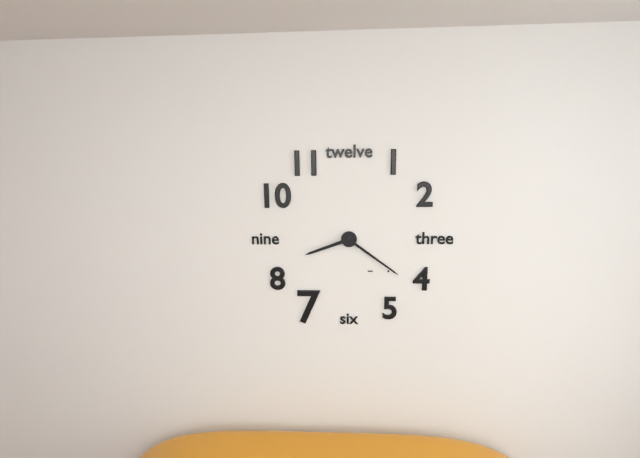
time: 8:21
